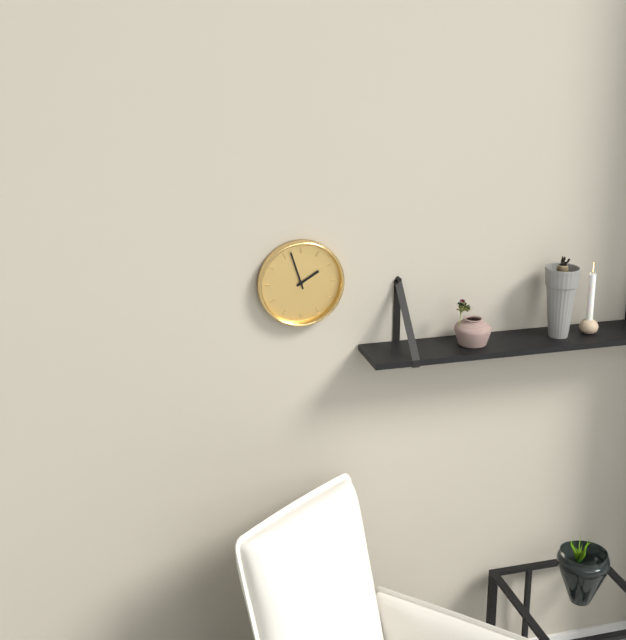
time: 1:57
